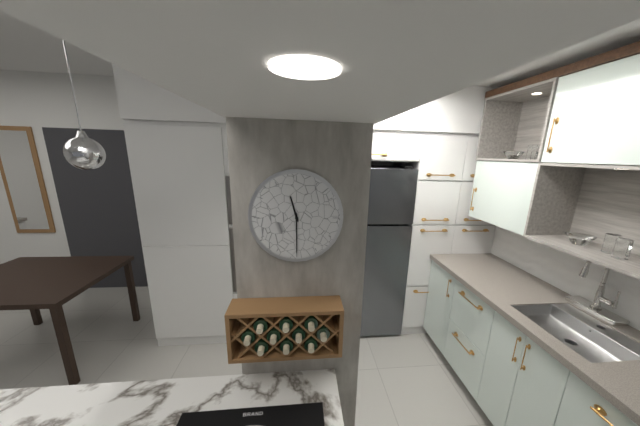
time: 11:30
